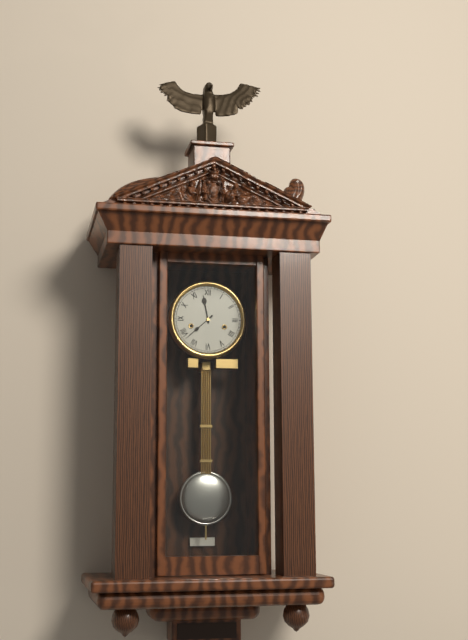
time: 11:38
